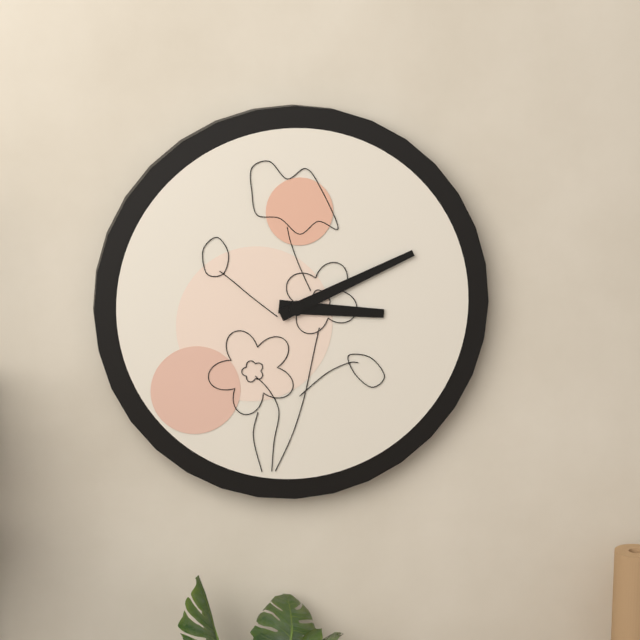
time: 3:11
